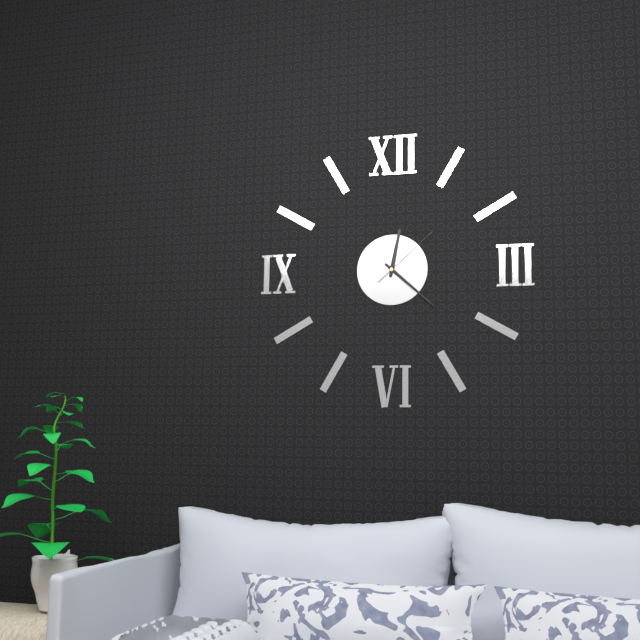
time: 12:22:08
